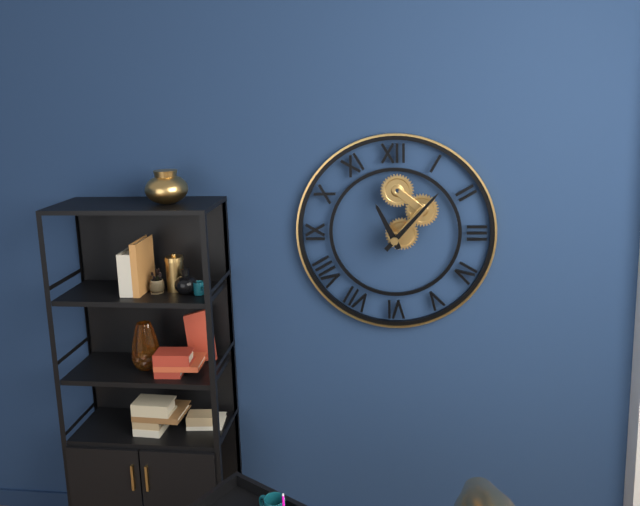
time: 11:07
